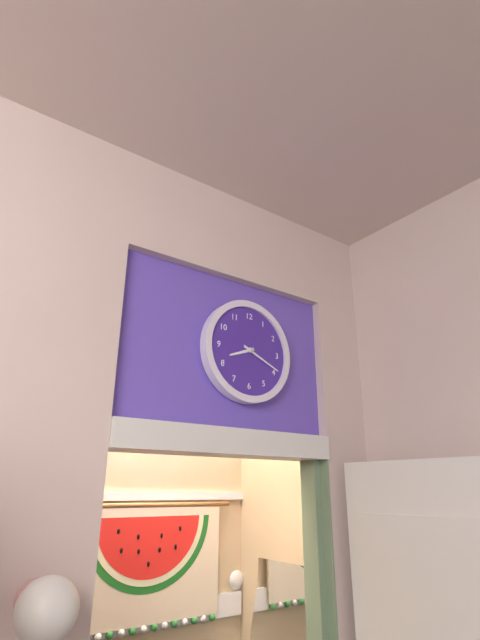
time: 8:19
